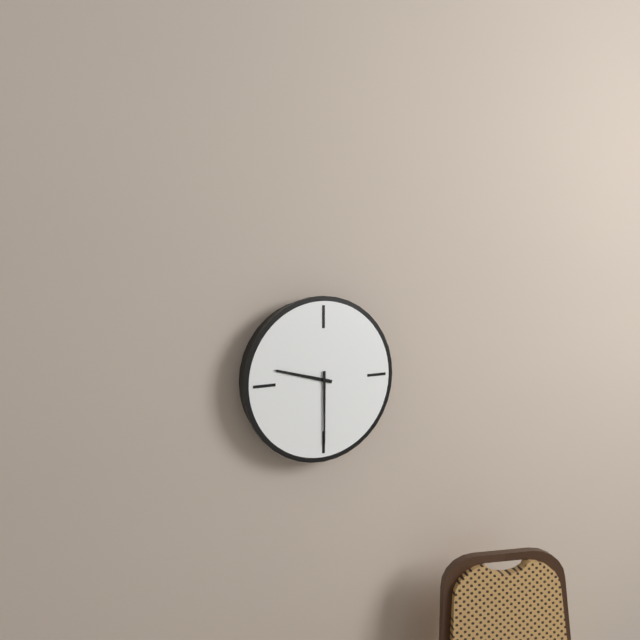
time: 9:30
